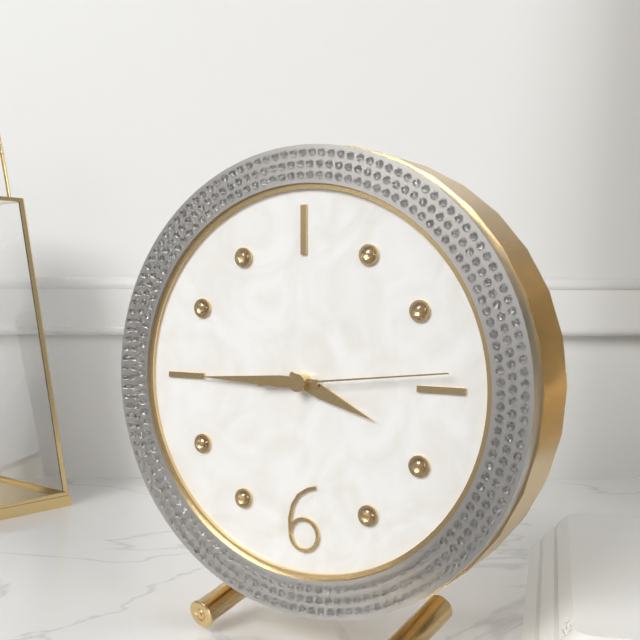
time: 3:45:14
